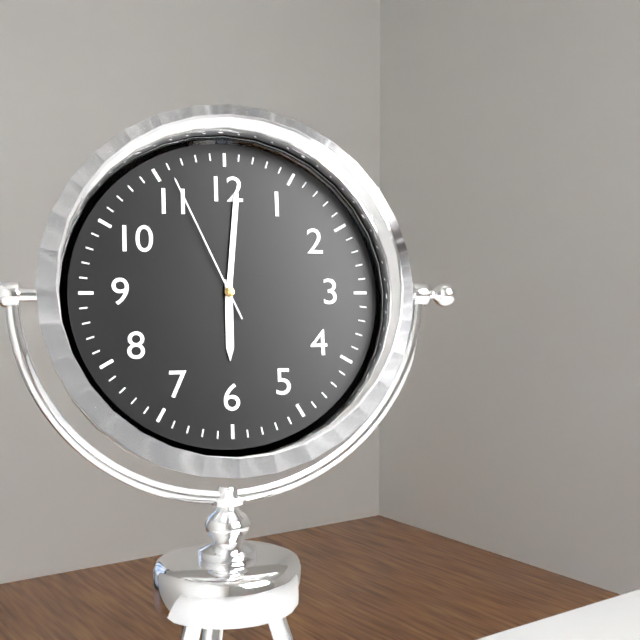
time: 6:01:56
